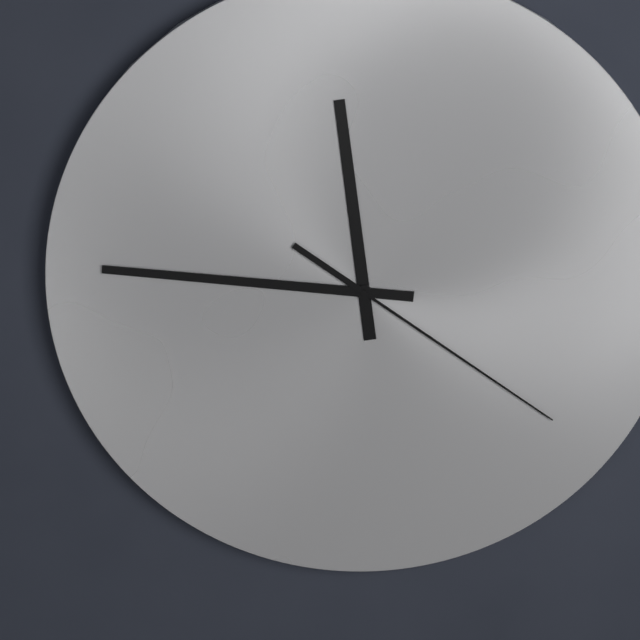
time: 11:46:21
